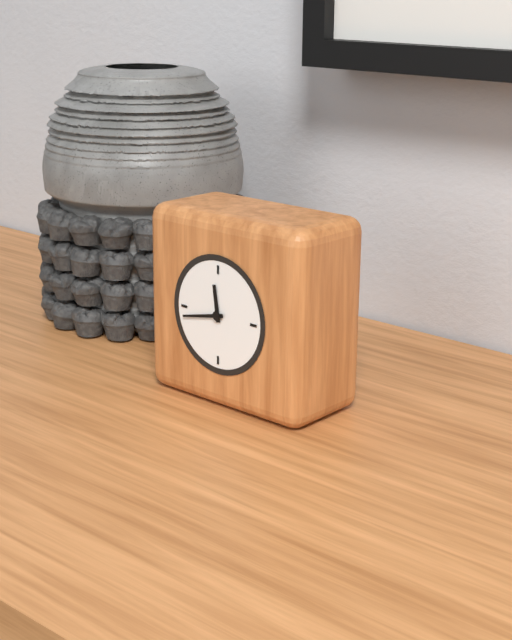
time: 11:43
